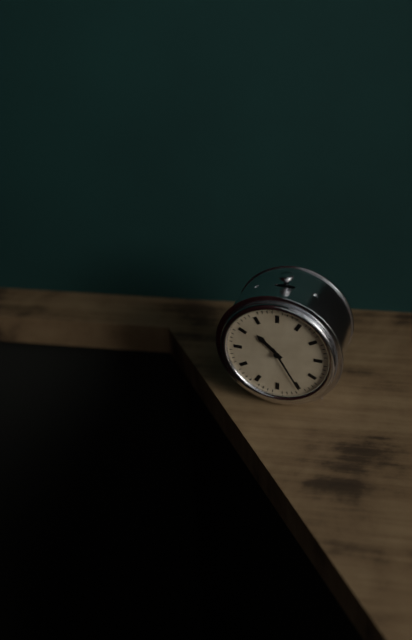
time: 10:25
